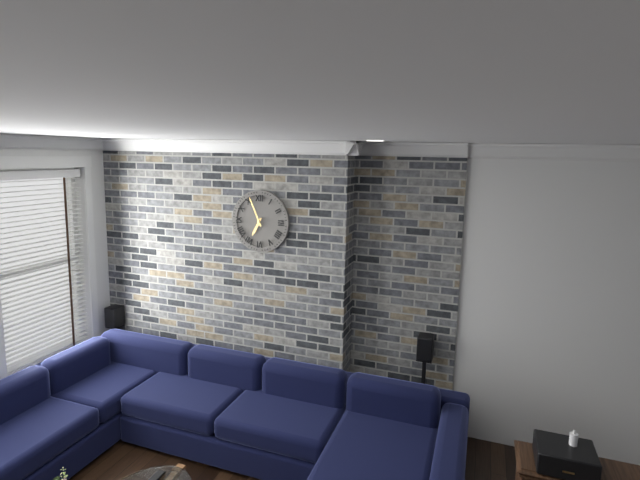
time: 6:56
